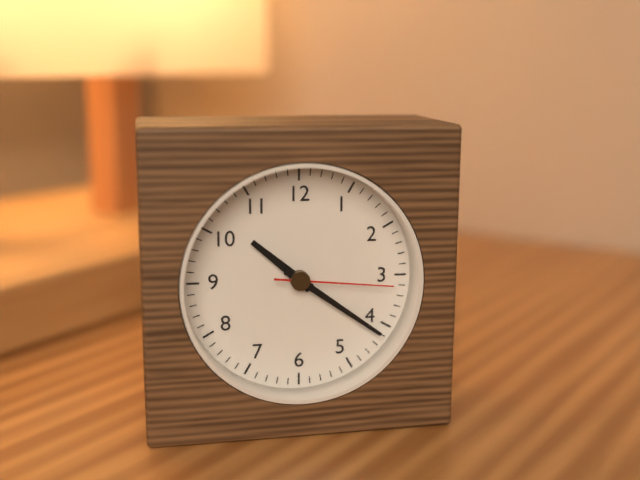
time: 10:21:16
